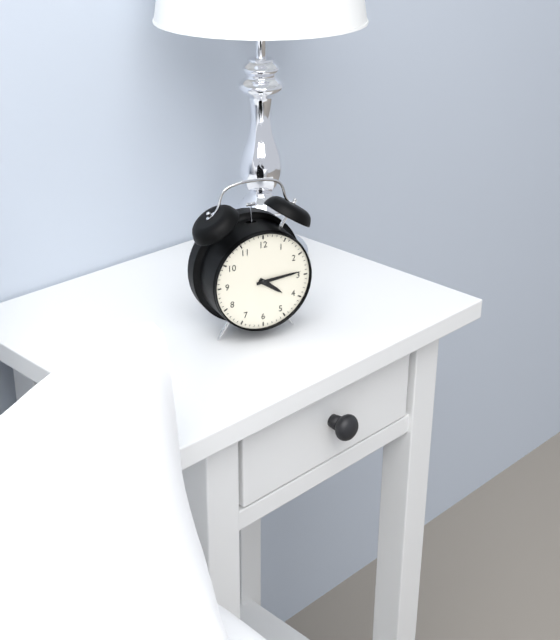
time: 4:14
